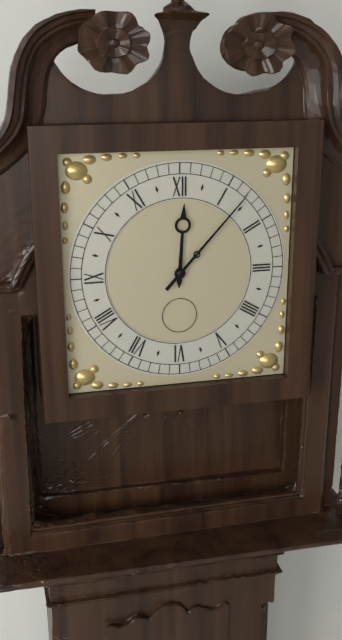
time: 12:07
